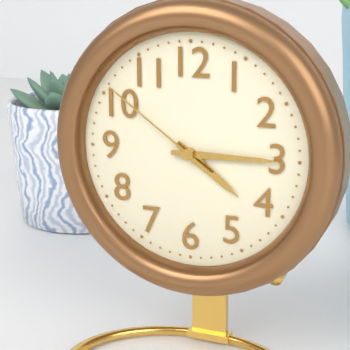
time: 4:15:51
